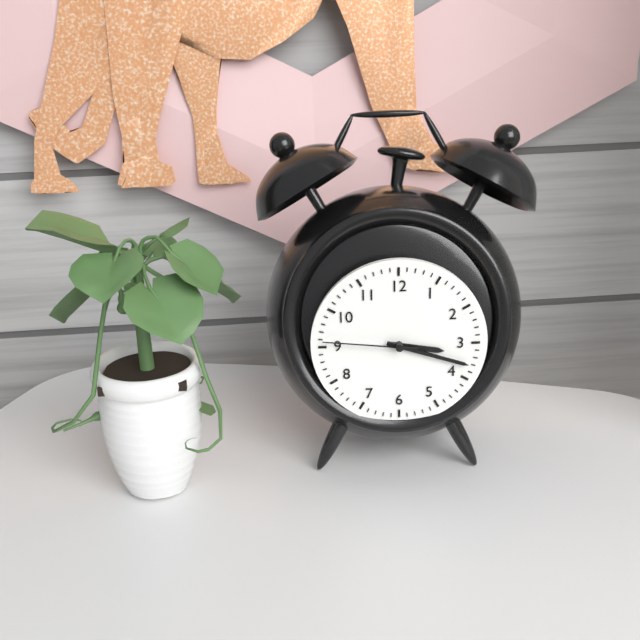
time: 3:18:46
